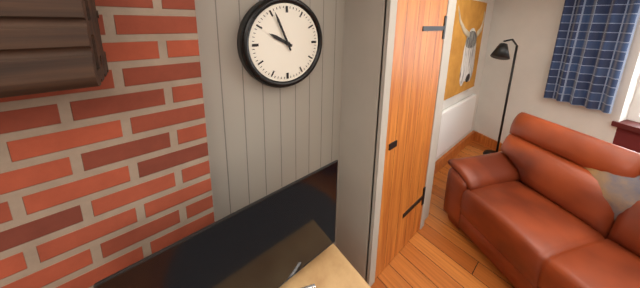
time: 9:56
